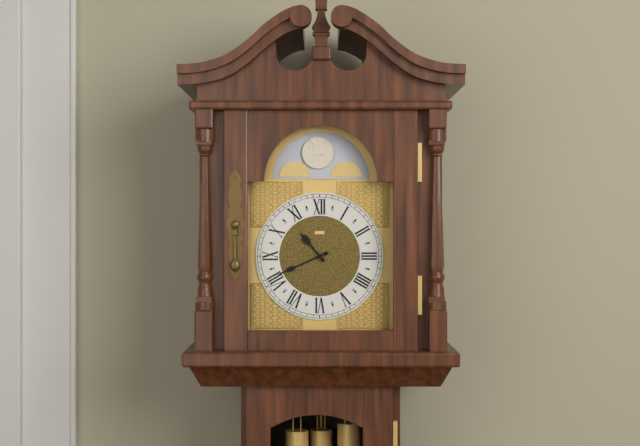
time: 10:41
